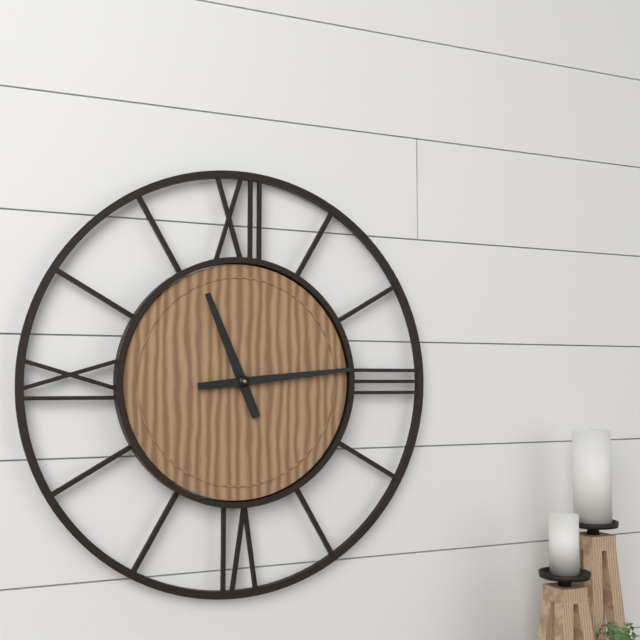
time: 11:14
